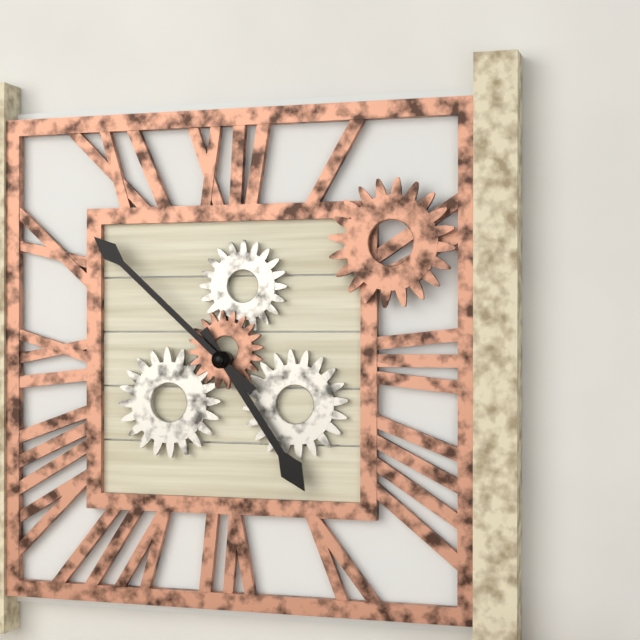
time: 4:52
